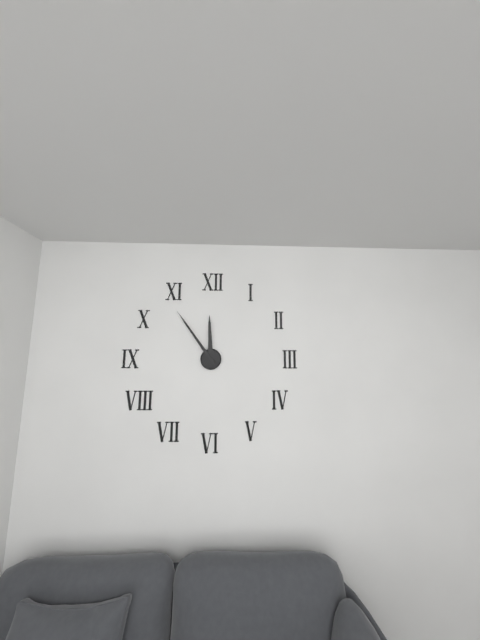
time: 11:54
